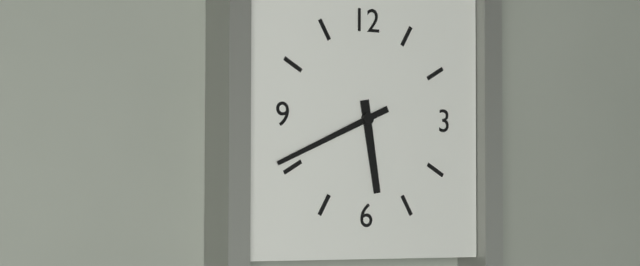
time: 5:41
